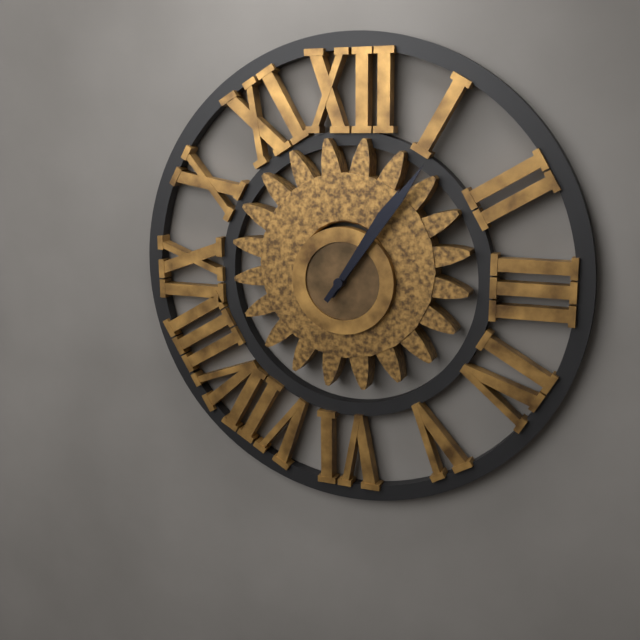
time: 1:06
